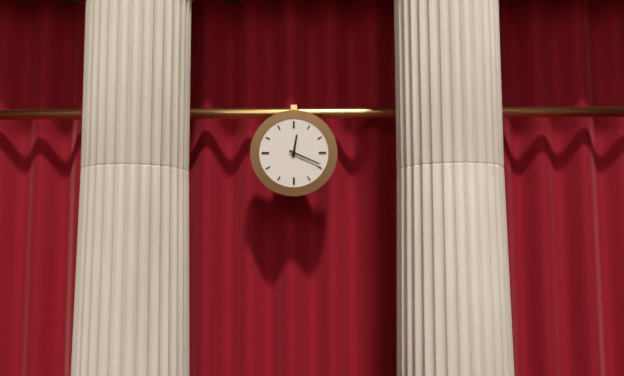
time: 12:19
